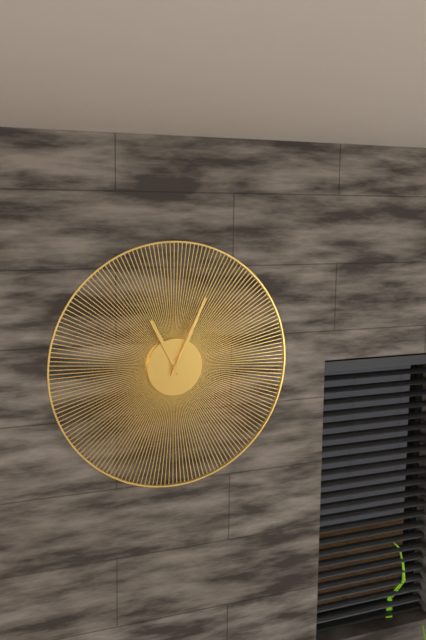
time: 11:04
